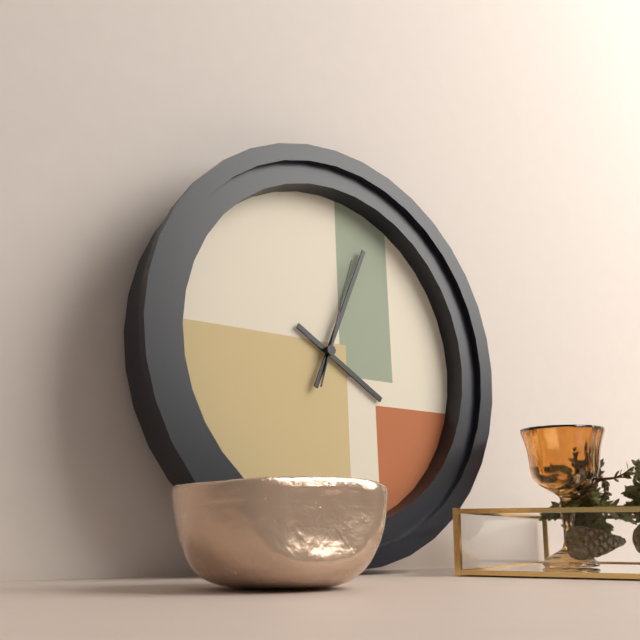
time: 4:04:03
